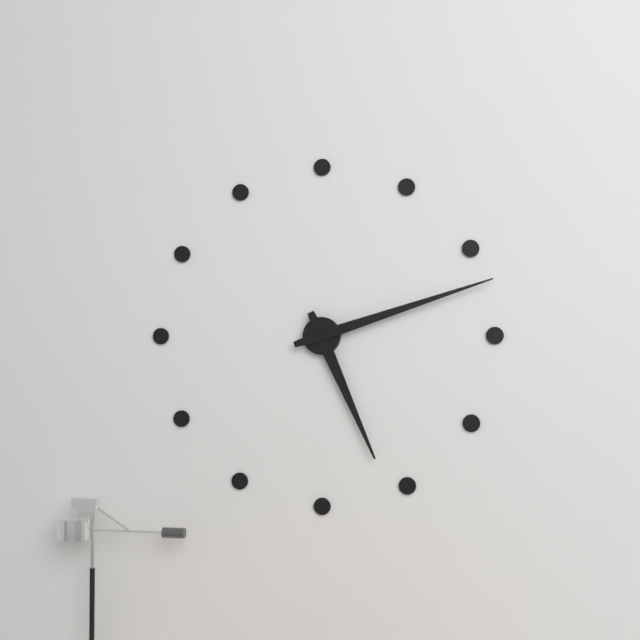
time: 5:12
